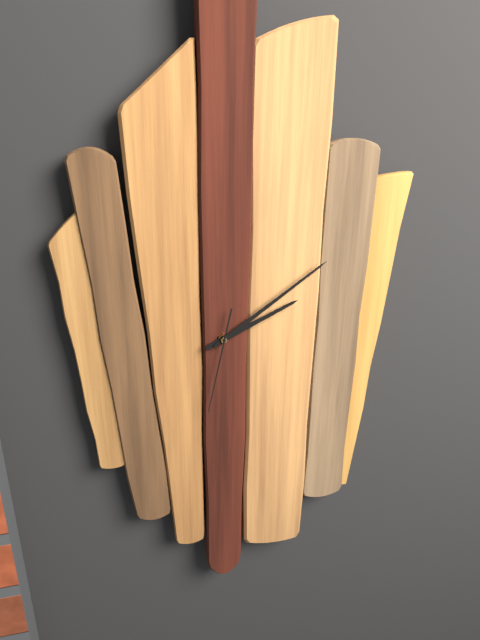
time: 2:09:32
